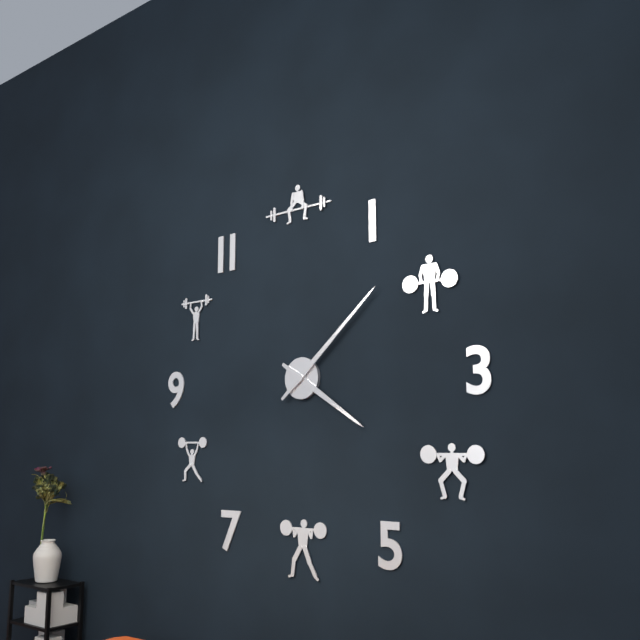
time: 4:08
